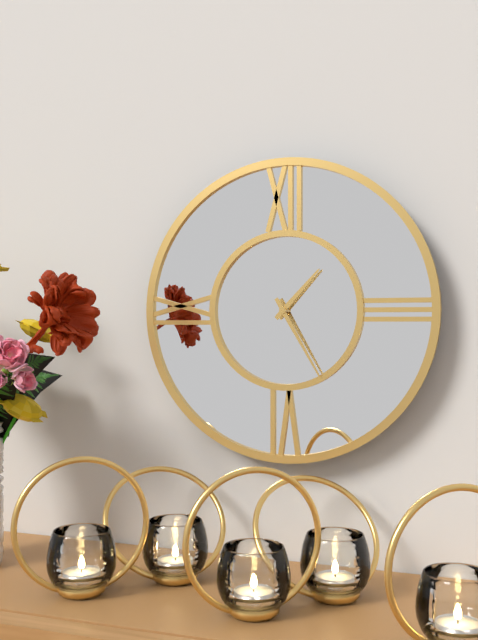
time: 1:25
